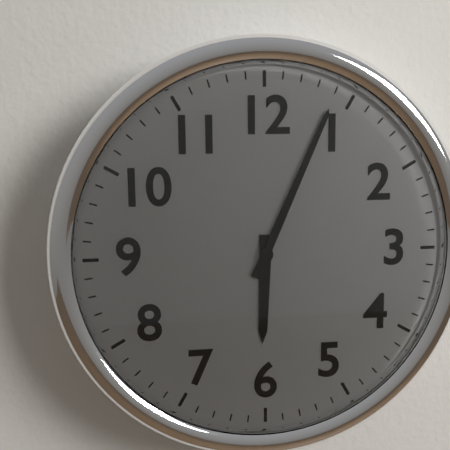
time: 6:04
